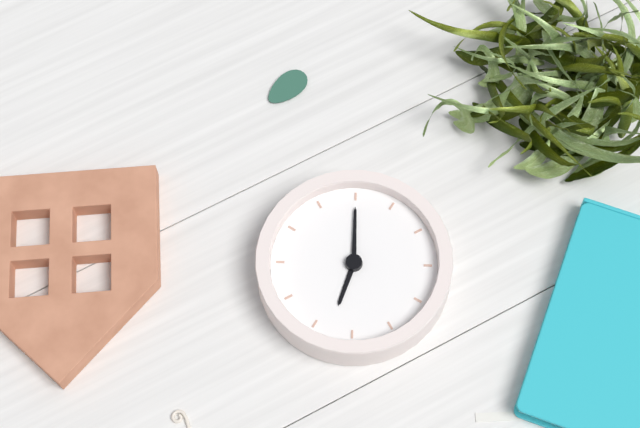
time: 1:35
